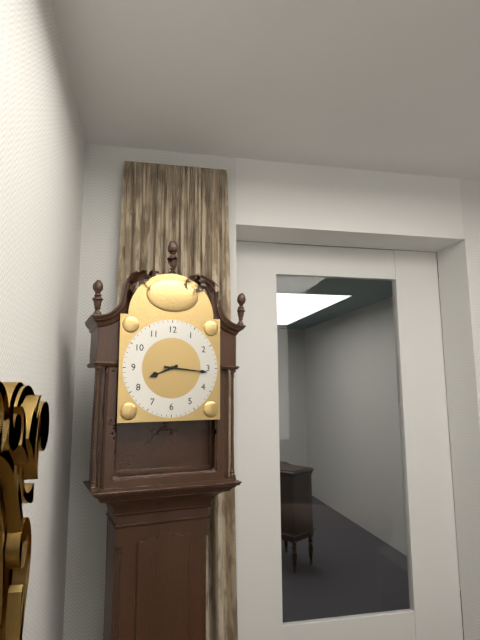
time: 8:16
